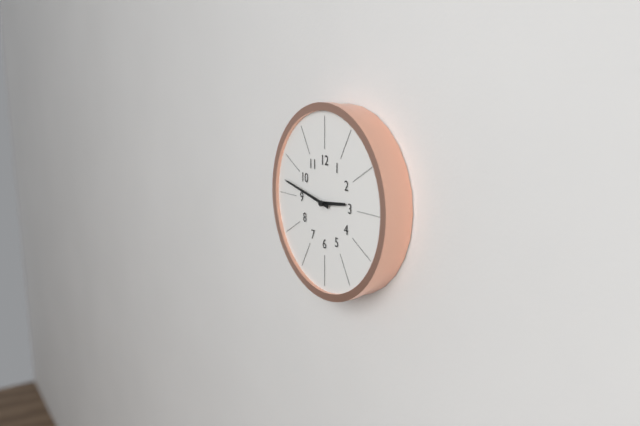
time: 2:47
